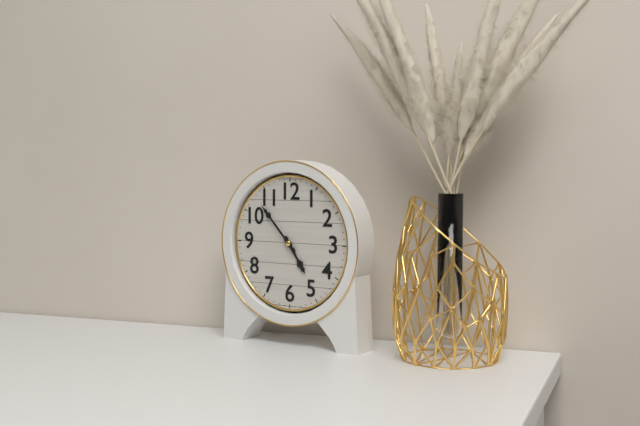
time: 4:53
